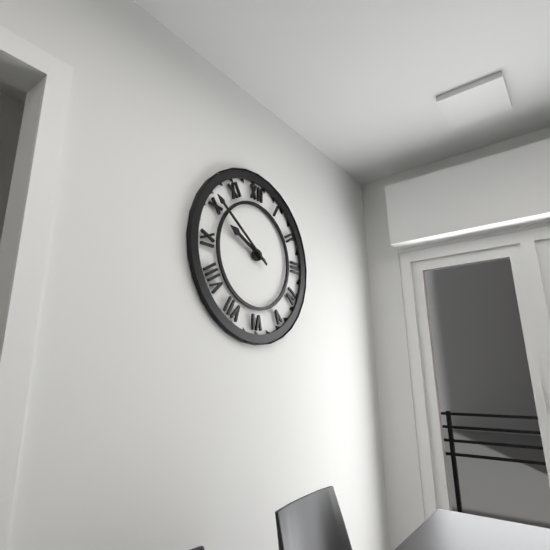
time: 9:51
